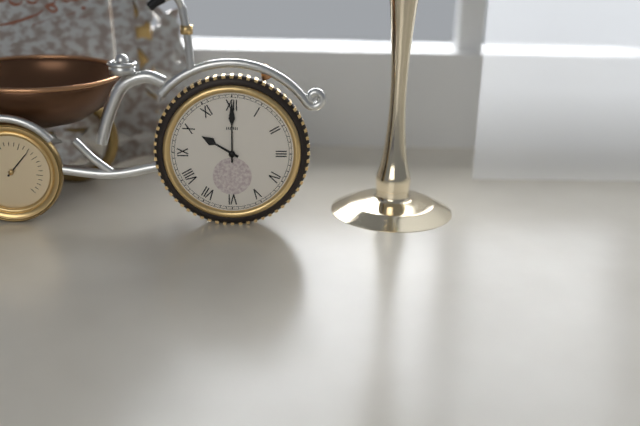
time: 10:00
